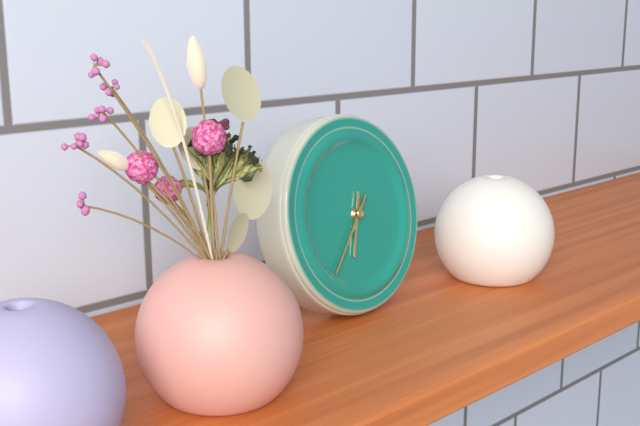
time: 6:37
